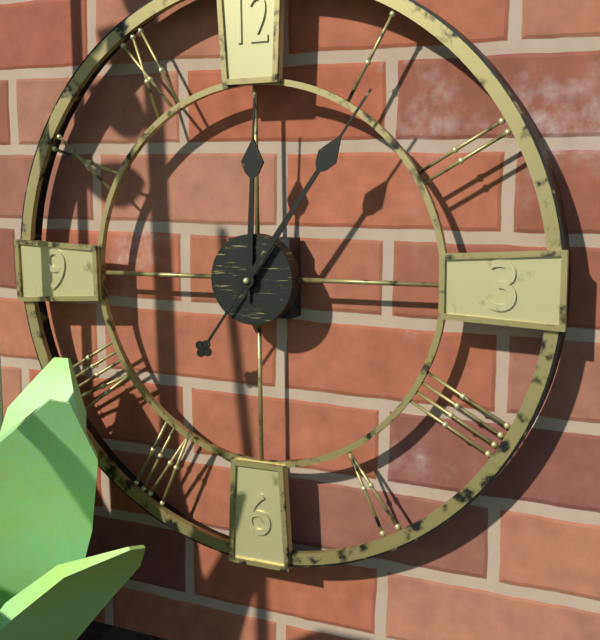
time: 12:06
